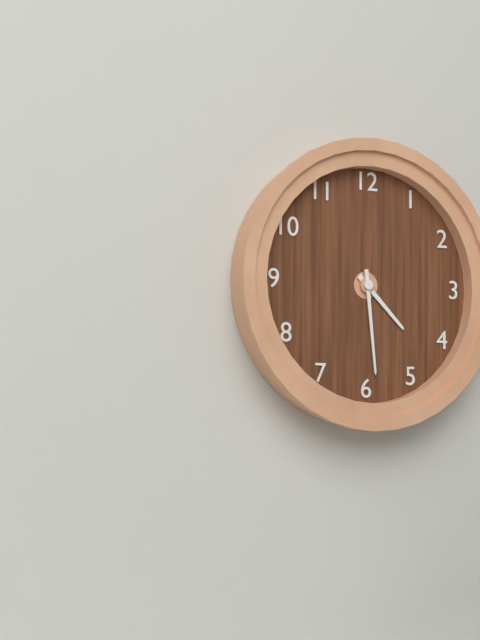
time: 4:29
